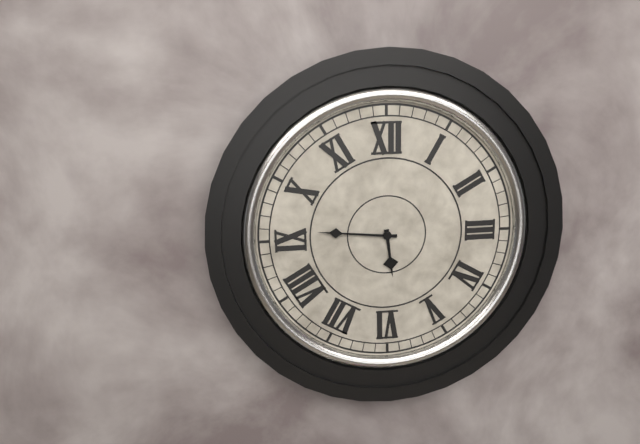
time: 5:46
